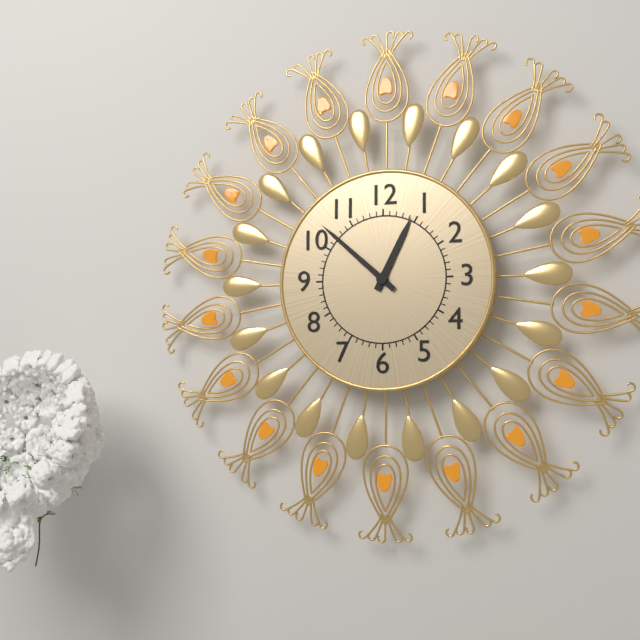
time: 12:52
